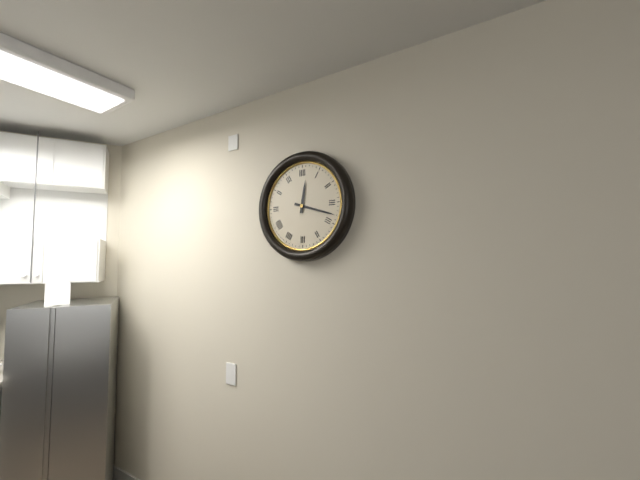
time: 12:18
